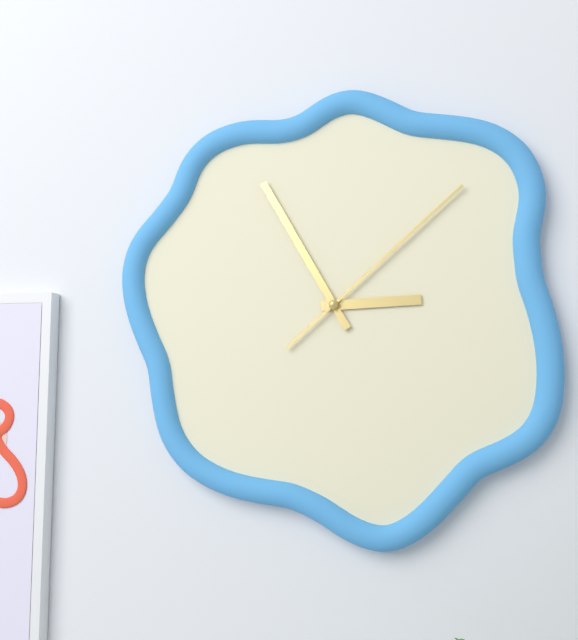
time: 2:55:08
